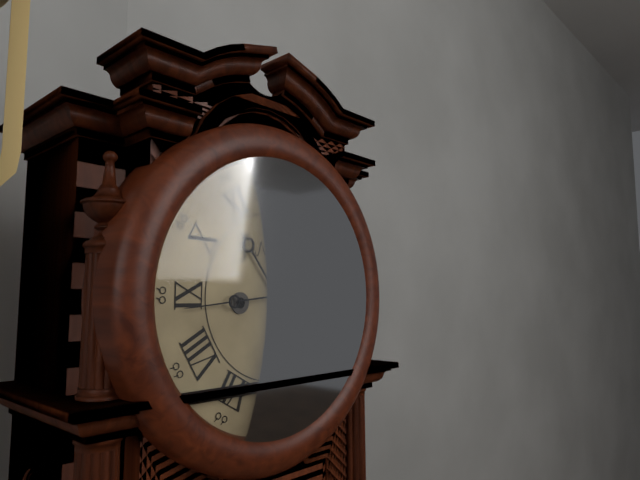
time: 10:44
